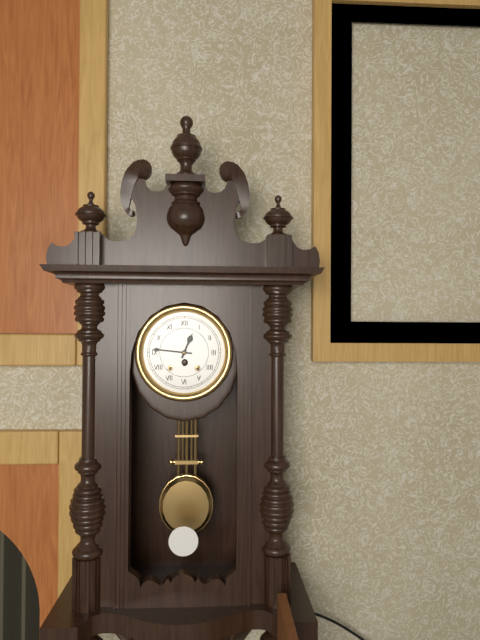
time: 12:46
